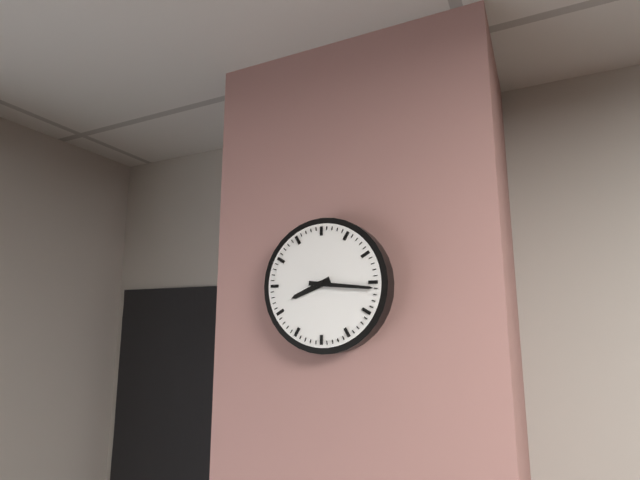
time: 8:16
